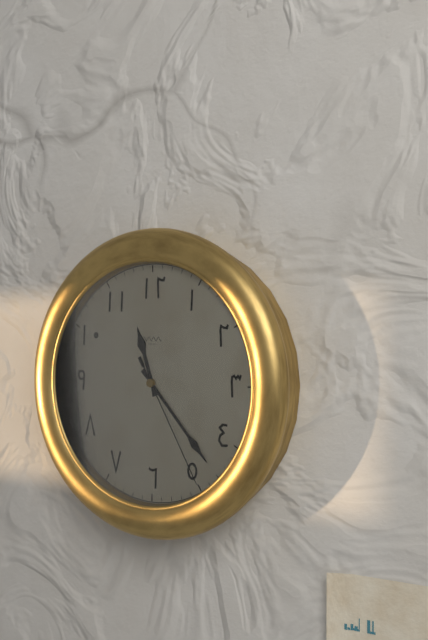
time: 11:23:25
